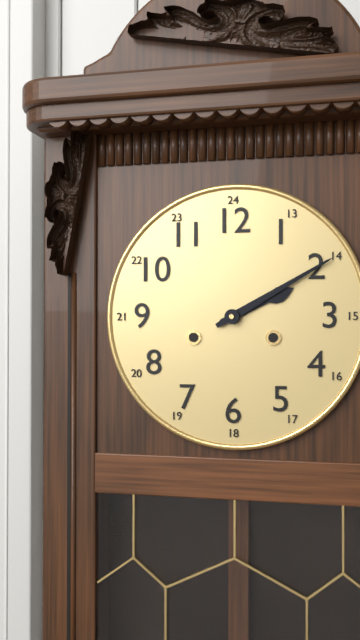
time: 2:10
